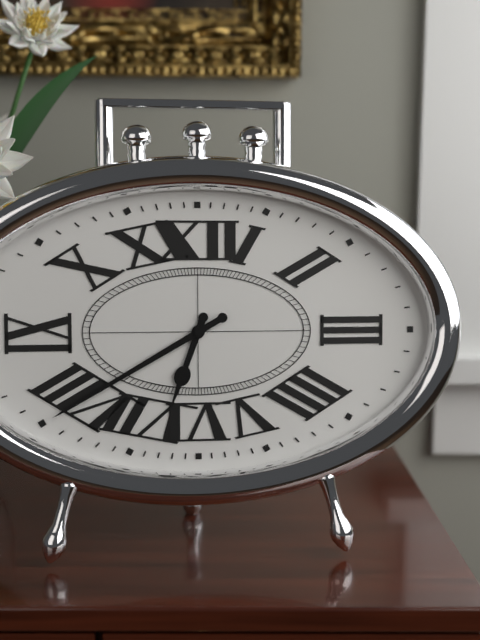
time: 6:40
